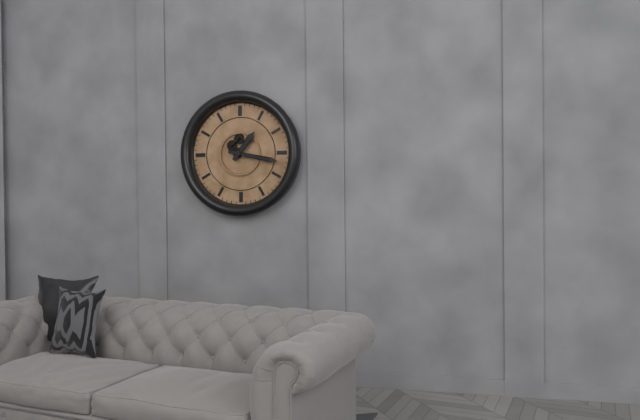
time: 1:17
